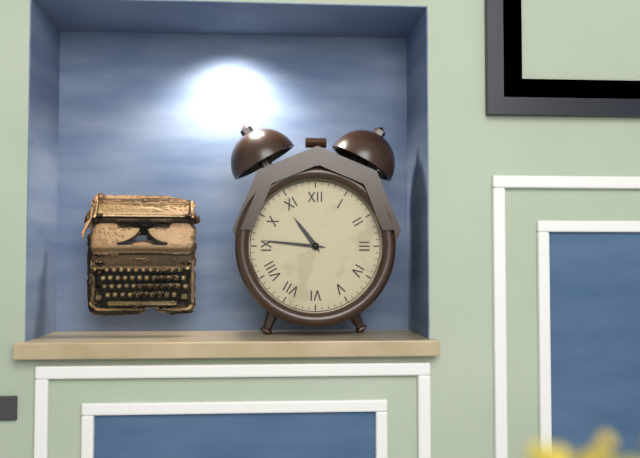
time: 10:46
